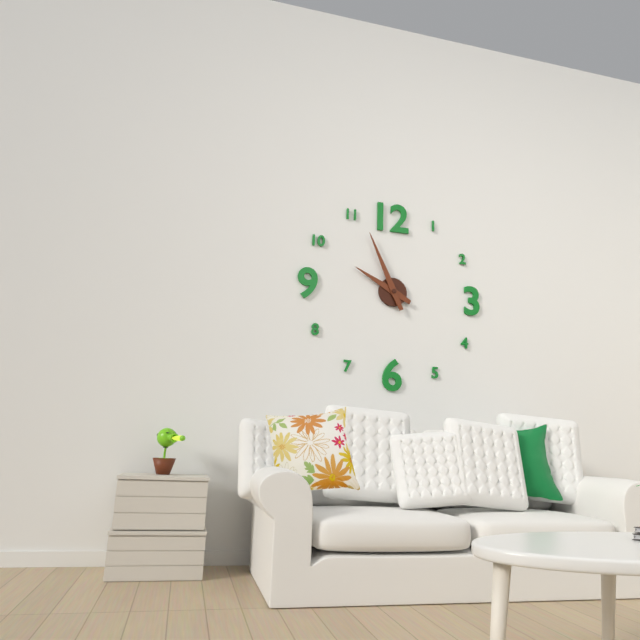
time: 9:56
